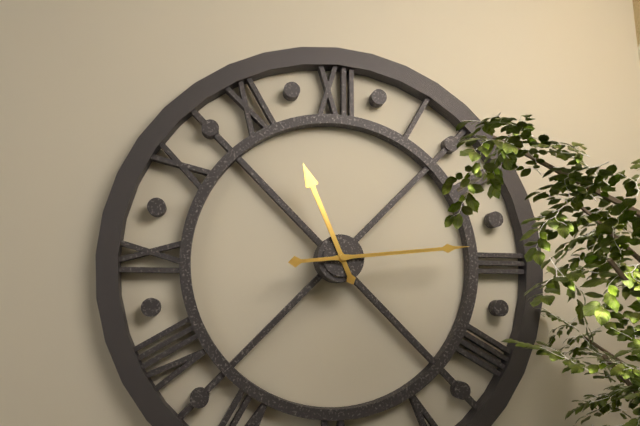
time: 11:14
